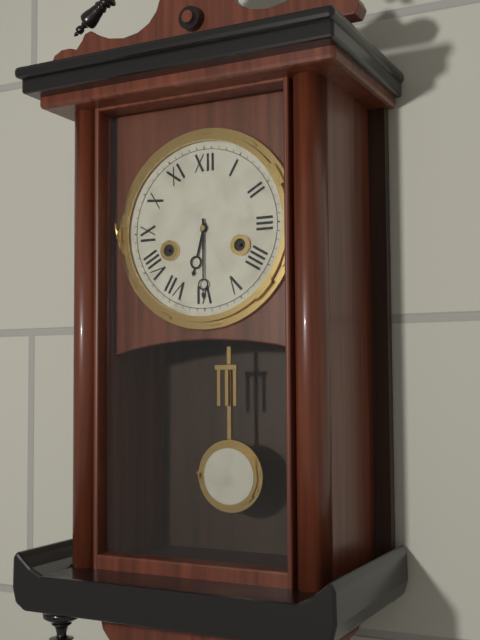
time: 6:30
